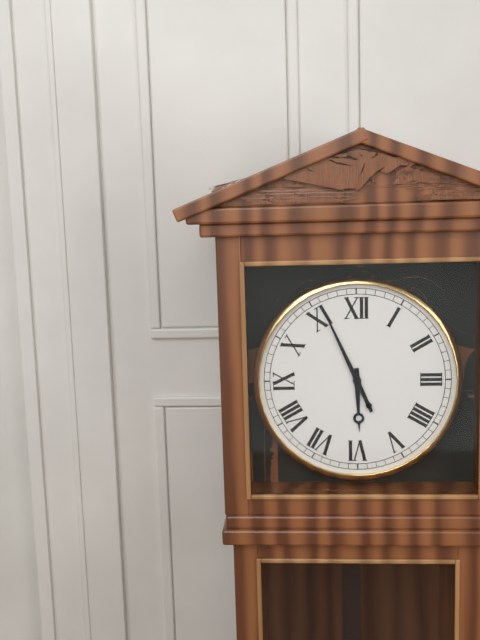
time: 5:56
